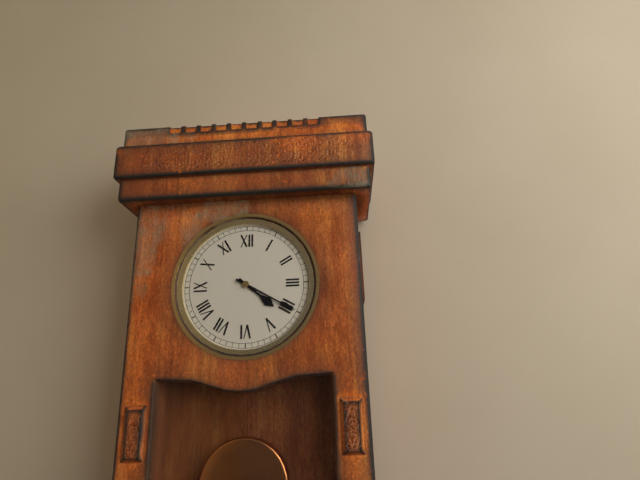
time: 4:20
